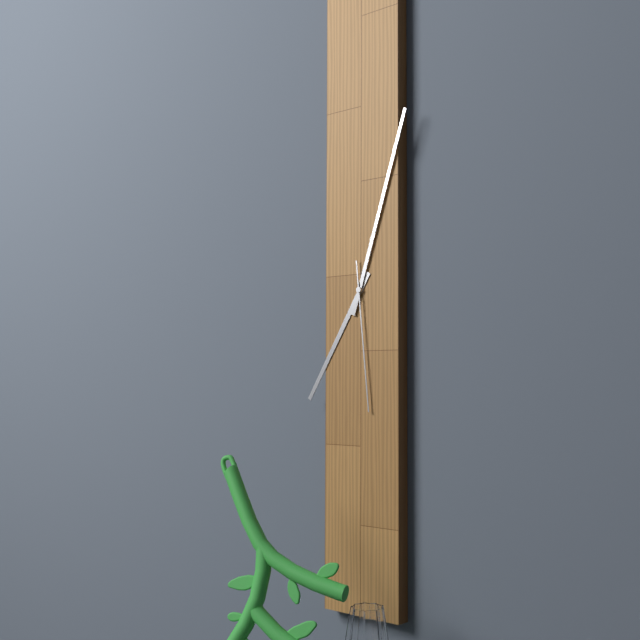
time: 7:03:29
